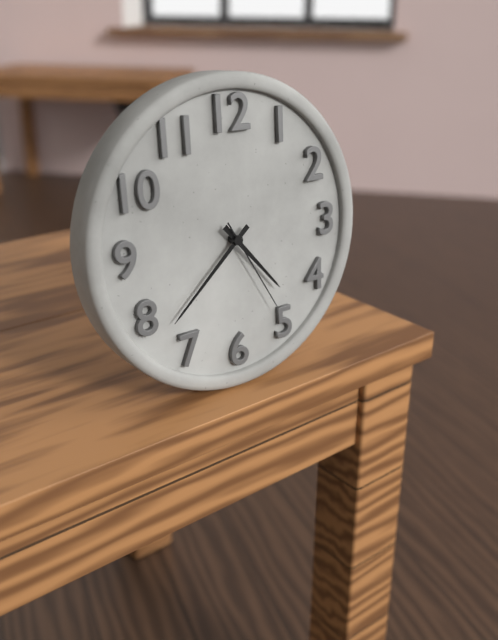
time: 4:38:25
